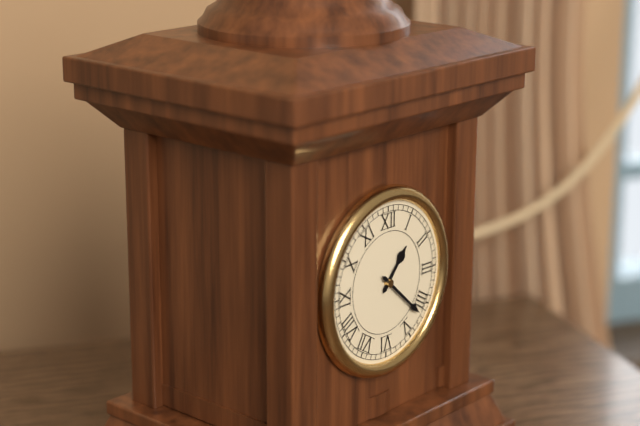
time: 1:22
